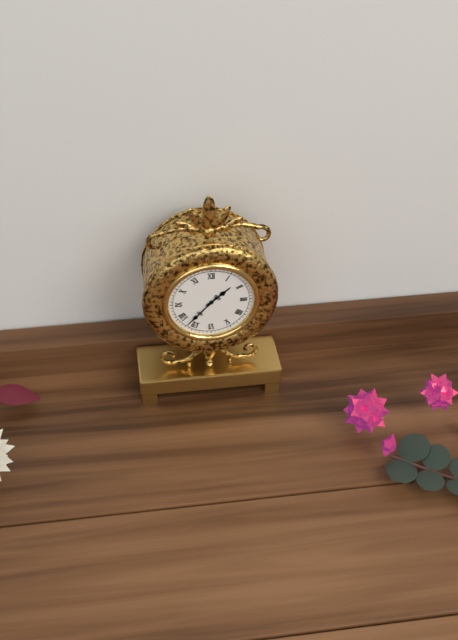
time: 1:37
